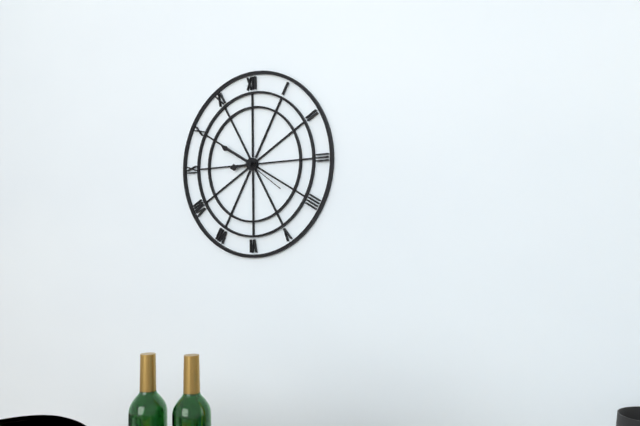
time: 8:50
